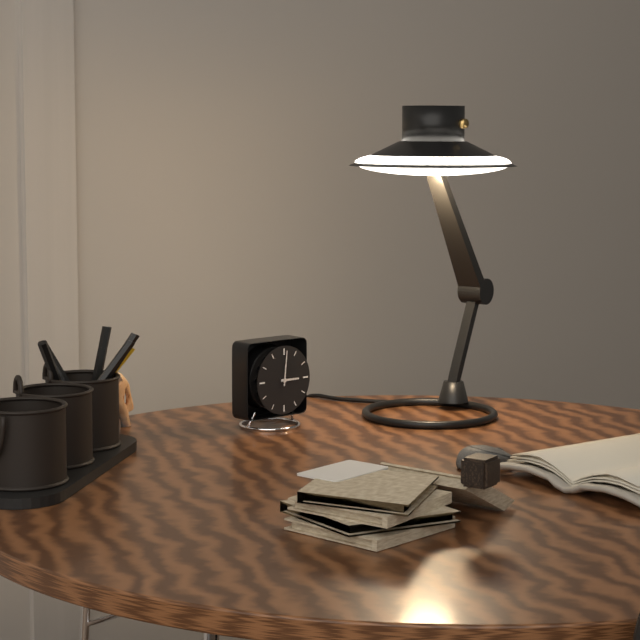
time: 3:01
